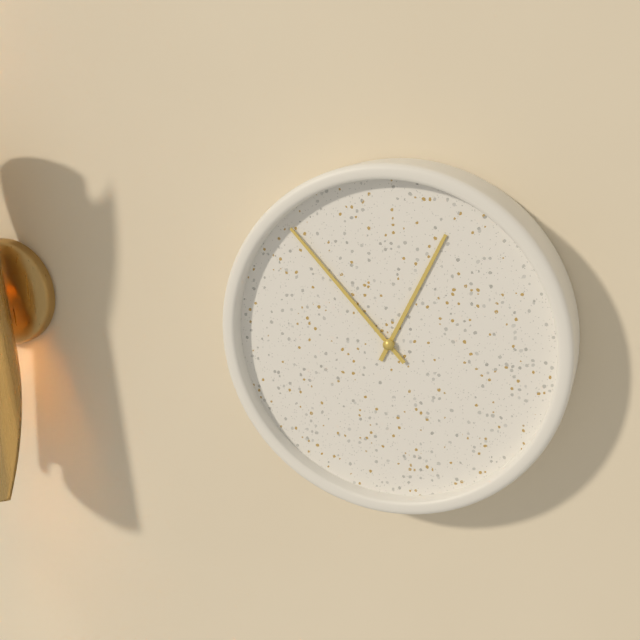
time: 12:53
